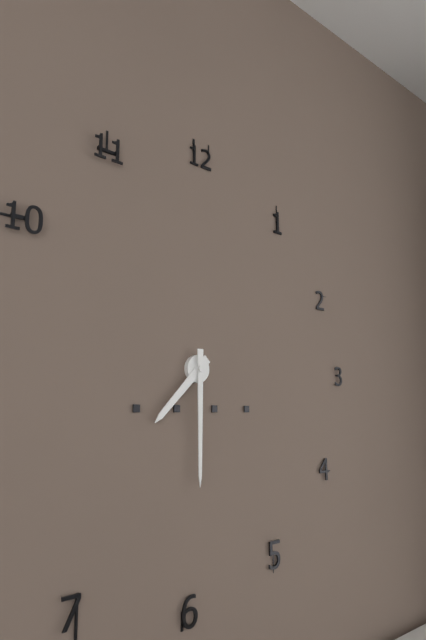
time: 7:30
